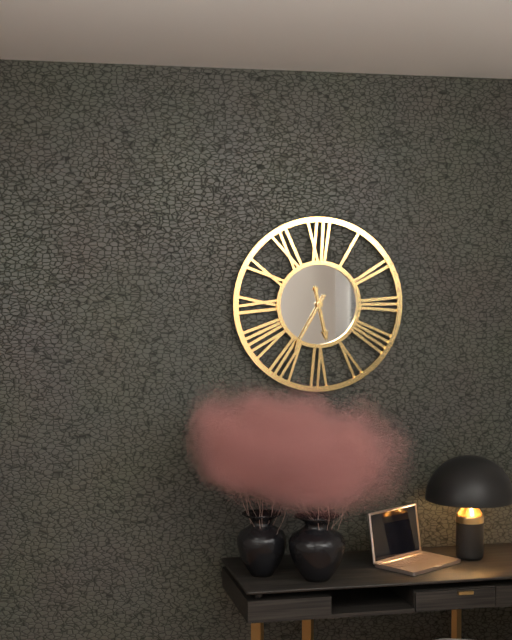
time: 5:35
